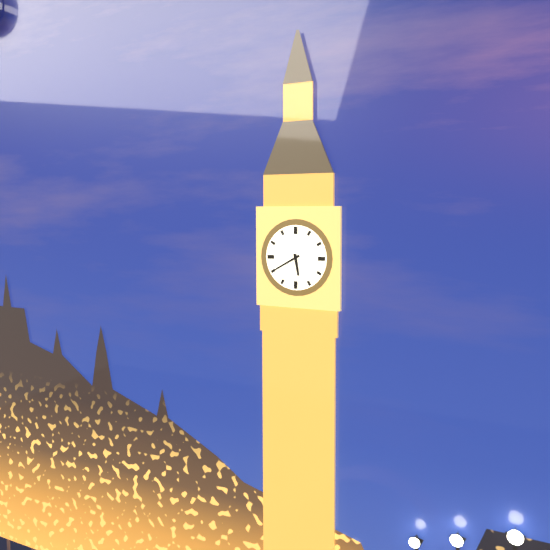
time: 5:40
